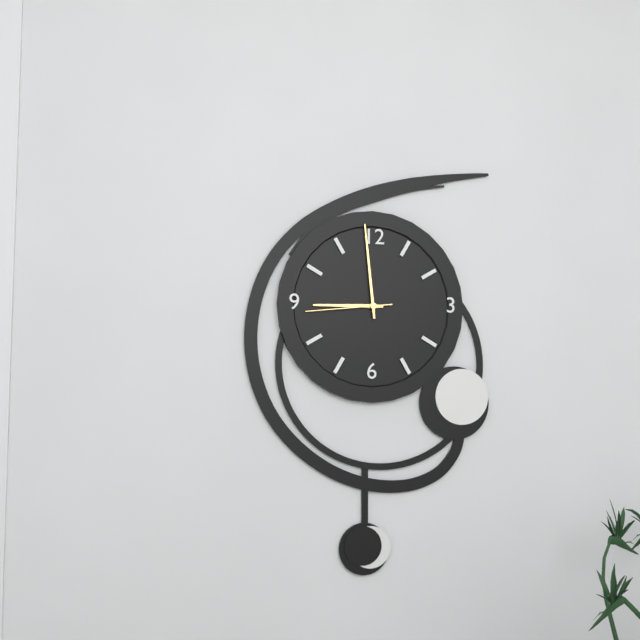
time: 8:59:44
